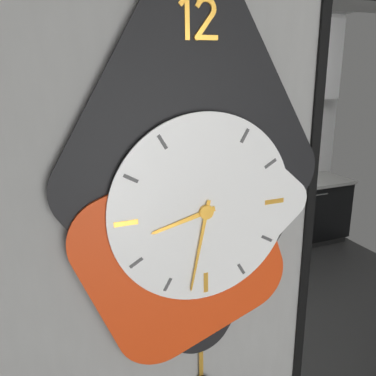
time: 8:32
